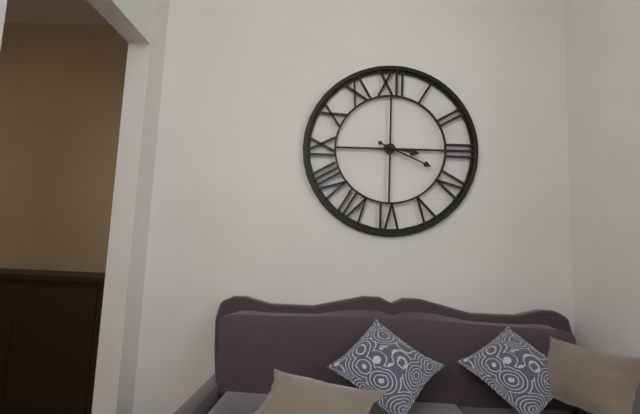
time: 3:19
